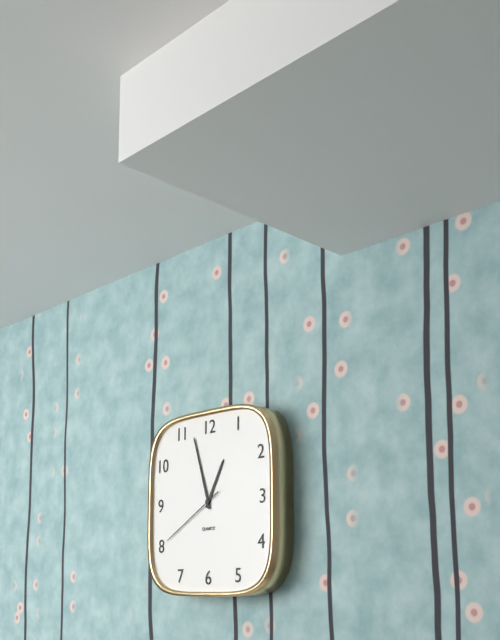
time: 12:57:40
